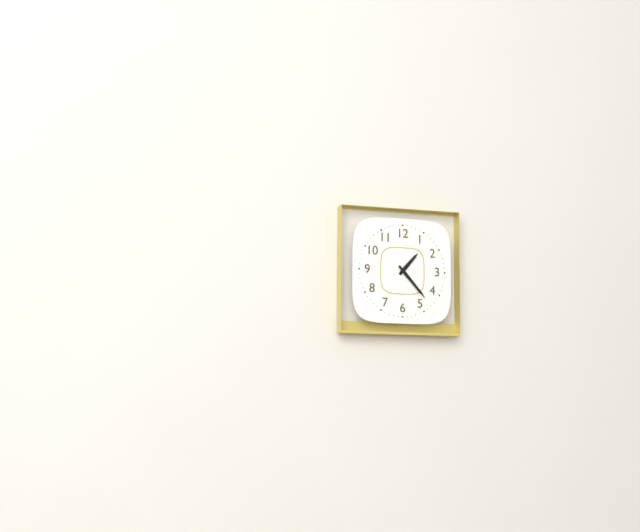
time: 1:23
